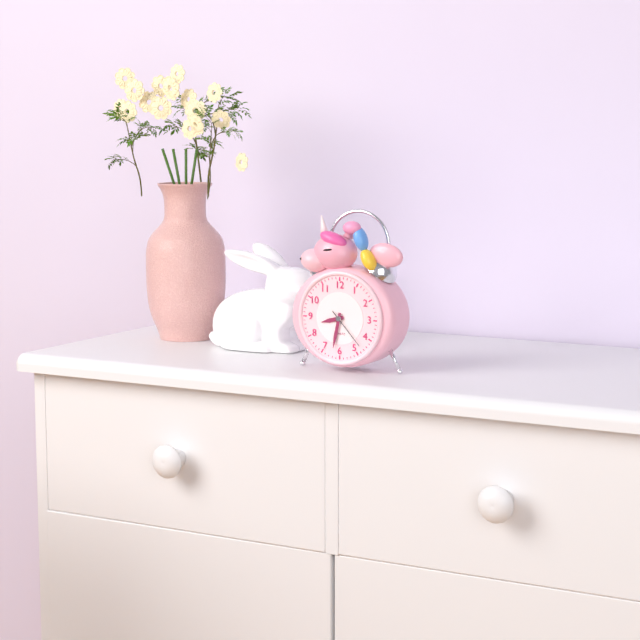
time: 8:32
